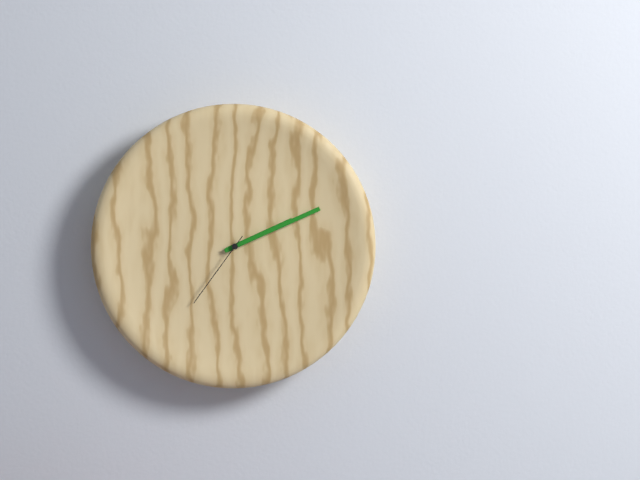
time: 2:11:36
